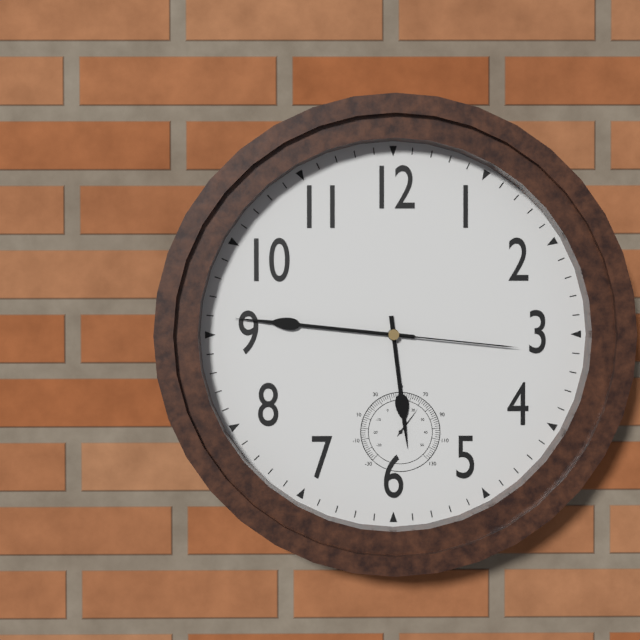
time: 5:46:16
